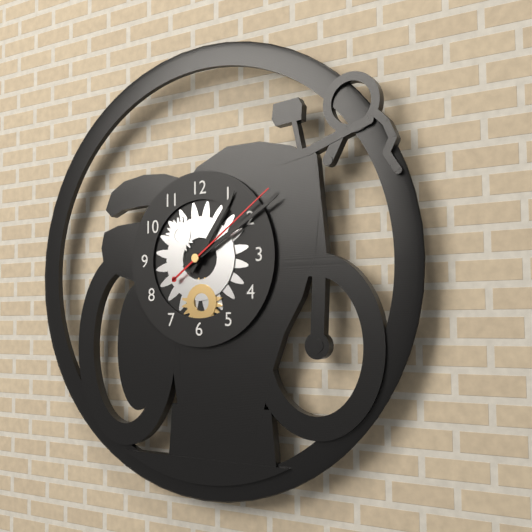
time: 1:10:09
